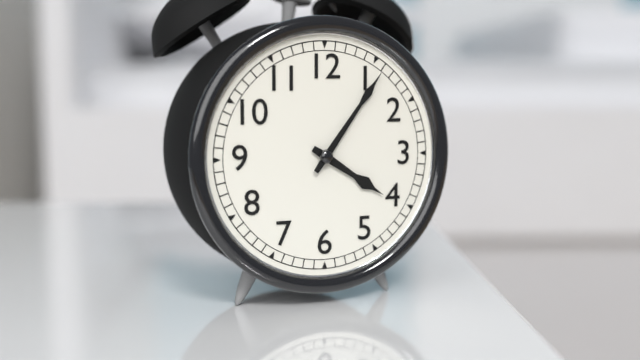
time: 4:06
